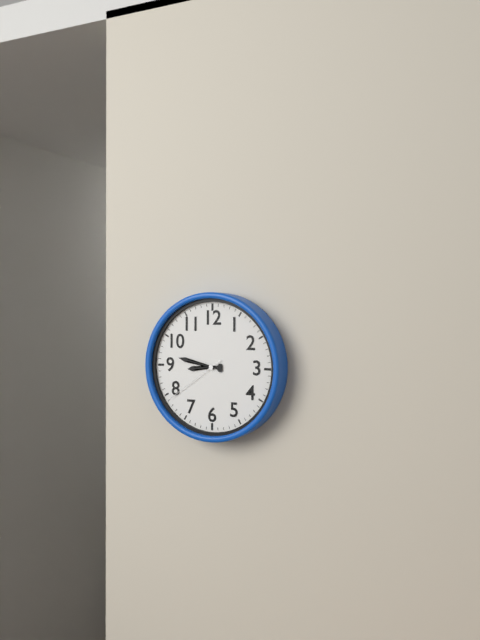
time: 8:47:39
